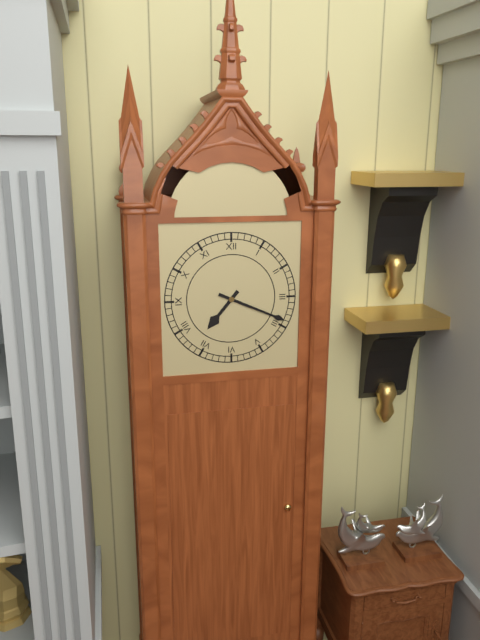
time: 7:19
